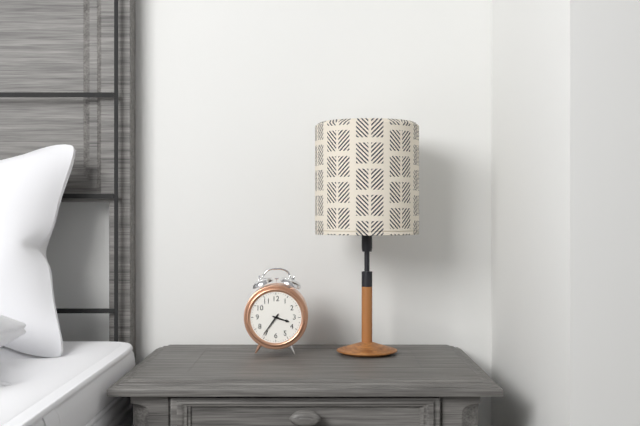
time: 3:36
